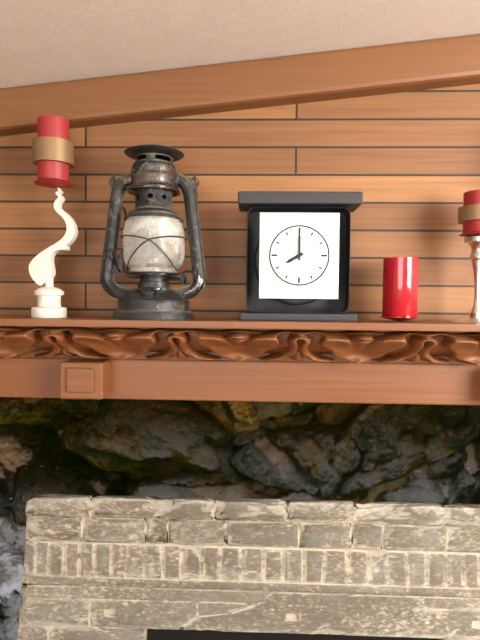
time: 8:00
